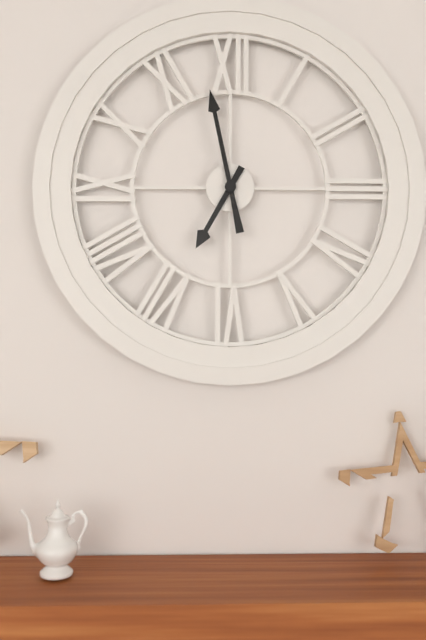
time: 6:58
